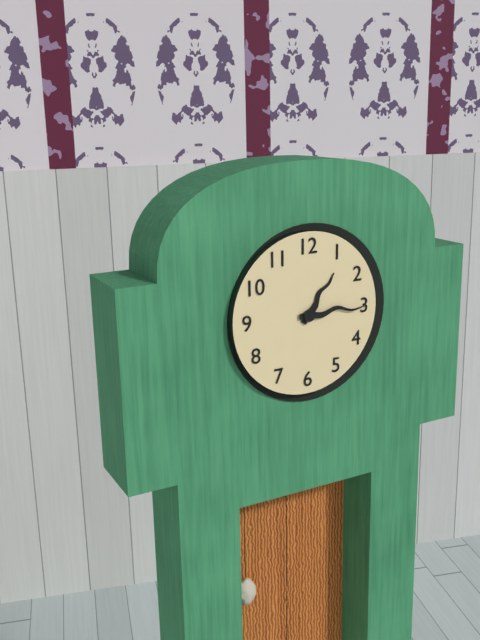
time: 1:15
